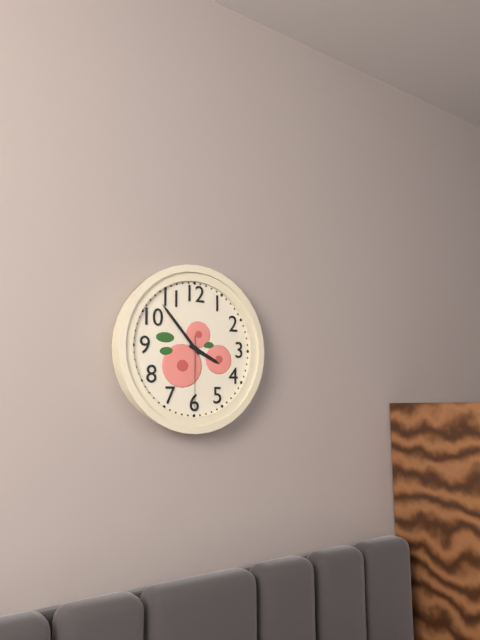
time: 3:53:30
